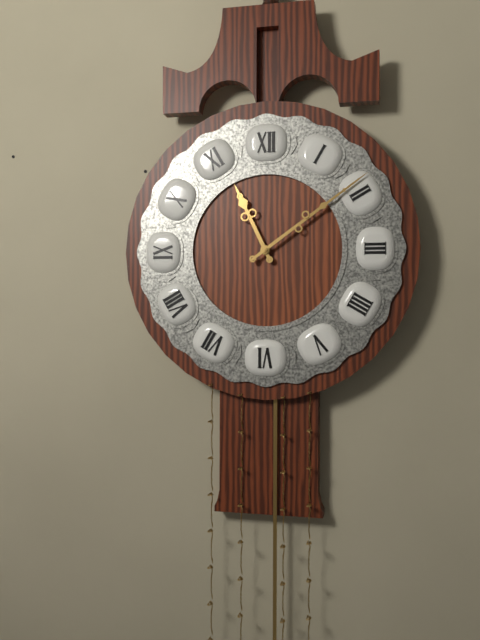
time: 11:09
